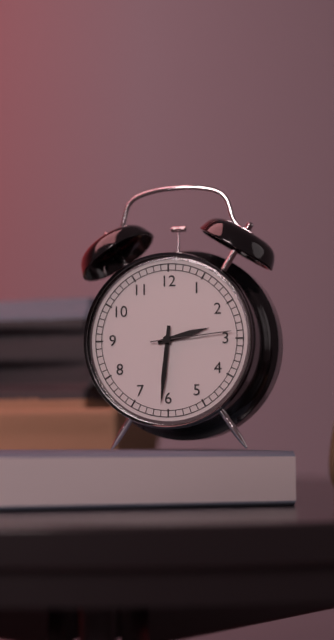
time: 2:31:14
